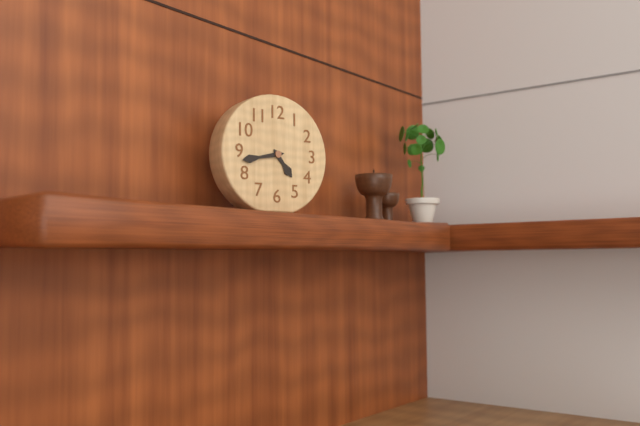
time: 4:43
